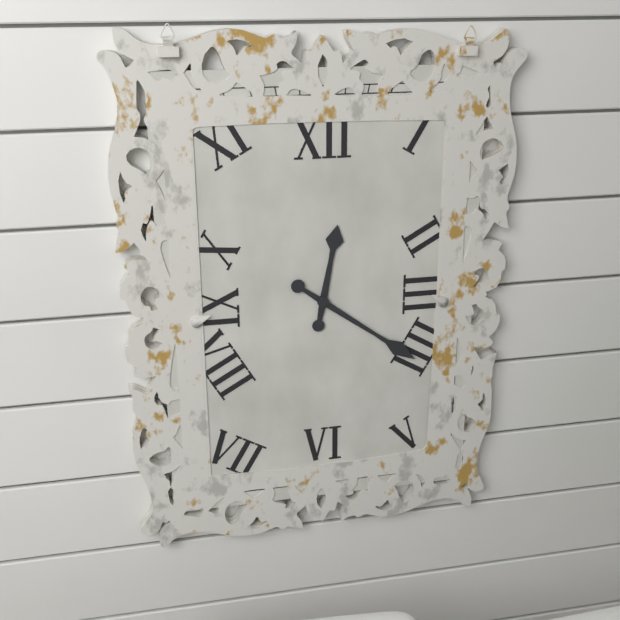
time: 12:21
